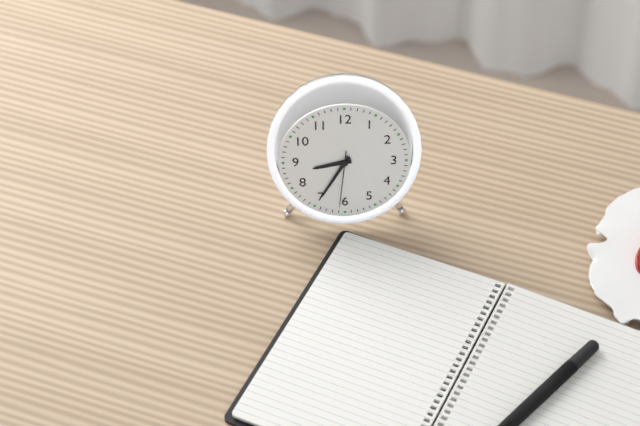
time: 8:35:31
